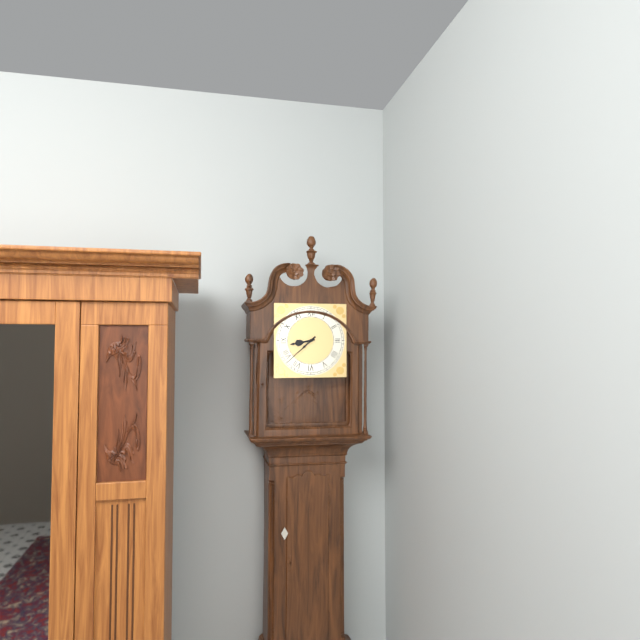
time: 8:38
